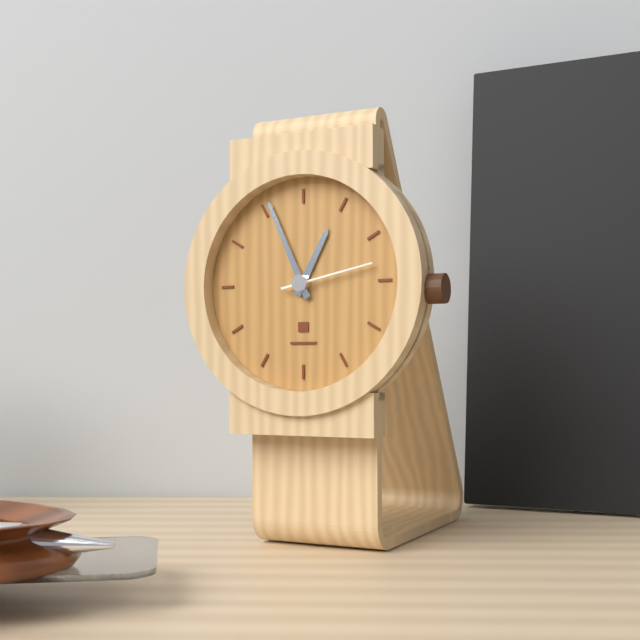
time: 12:56:13
